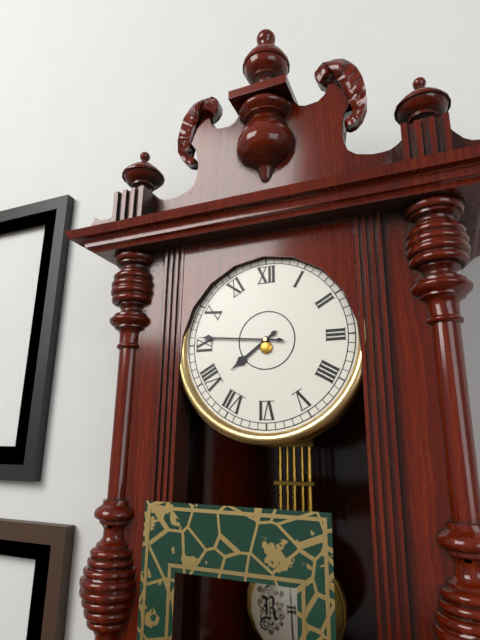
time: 7:46
